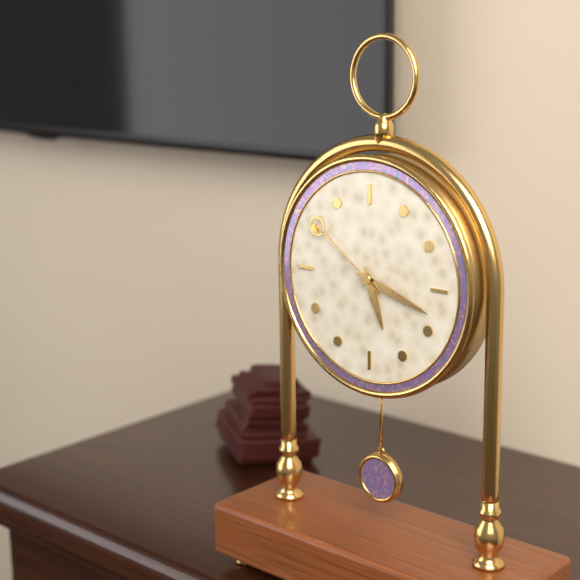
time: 5:18:51
